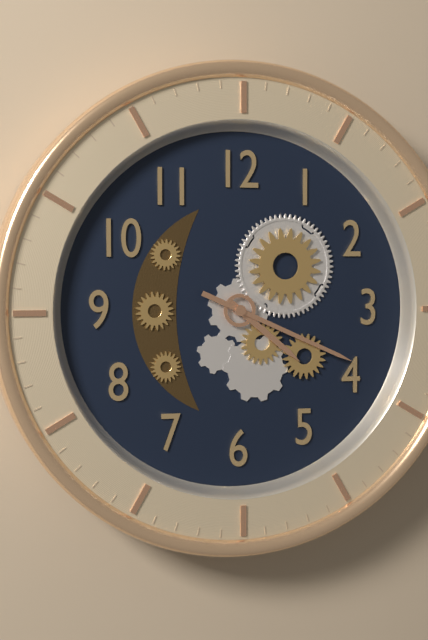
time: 4:19
